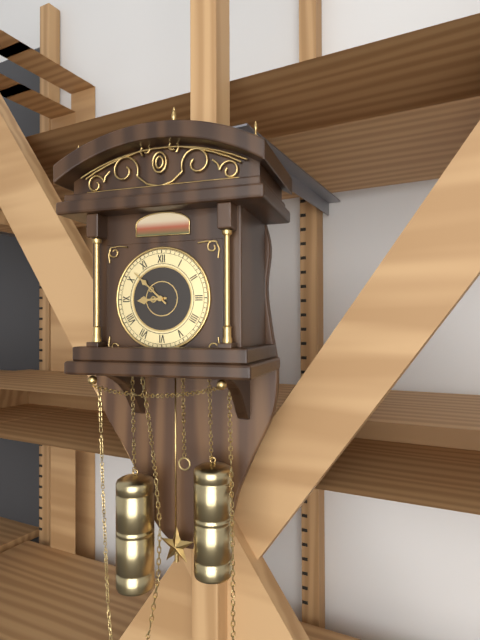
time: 8:52
